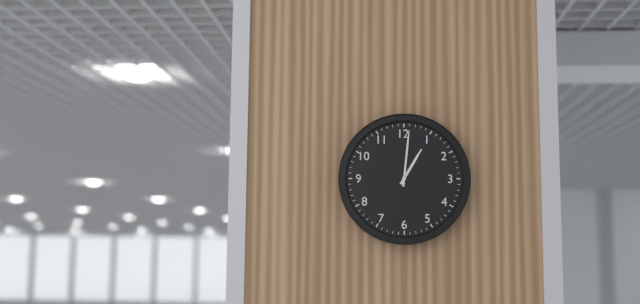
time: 1:01
